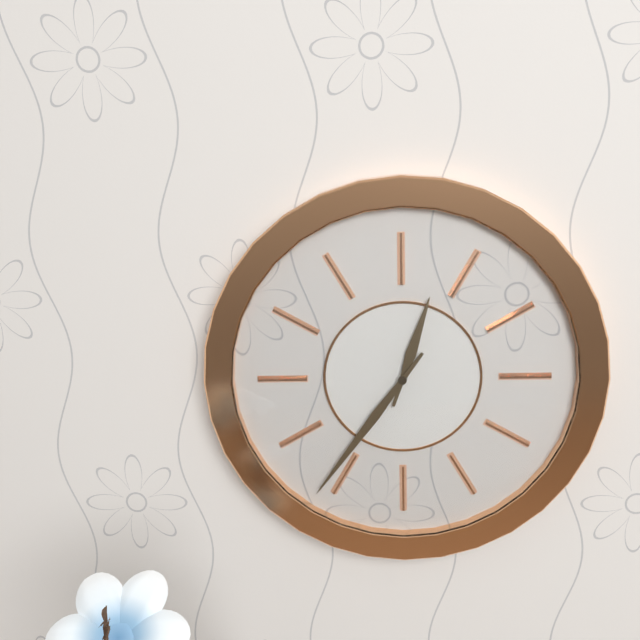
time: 12:36
